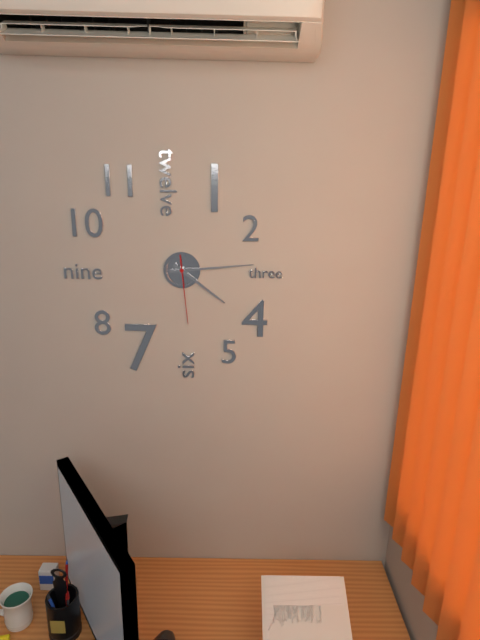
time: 4:14:29
